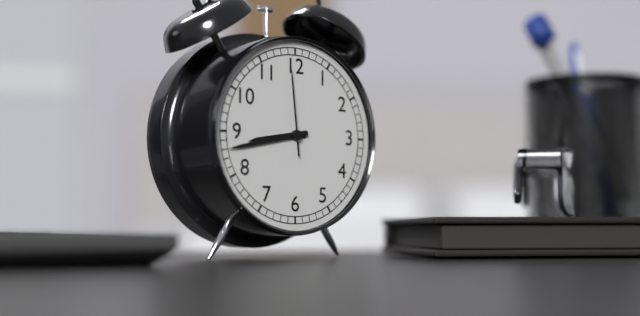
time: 8:43:59
